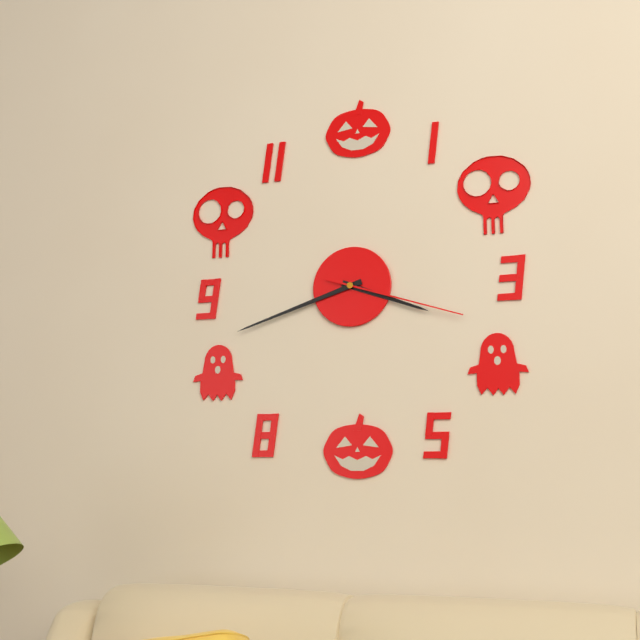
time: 3:42:18
